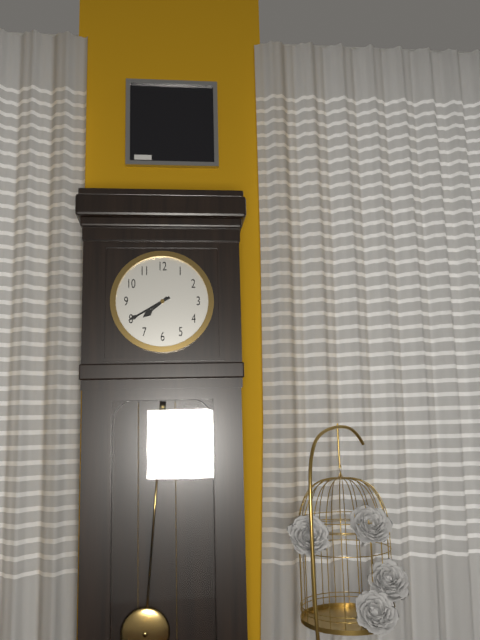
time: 7:40
